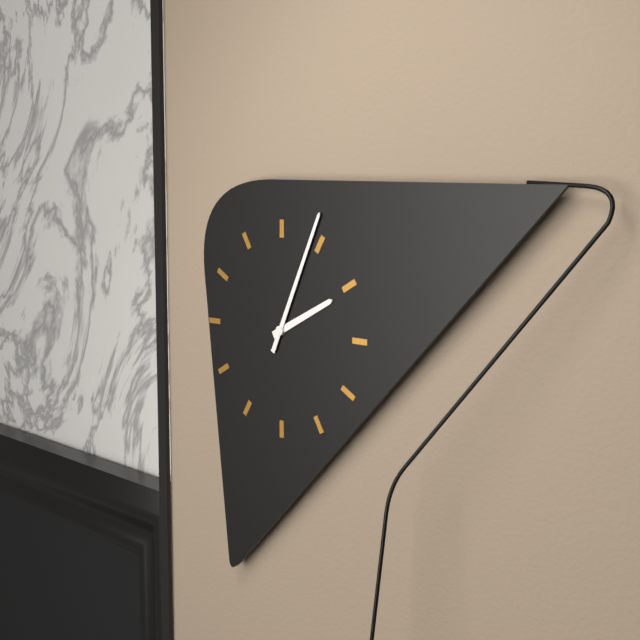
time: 2:04
